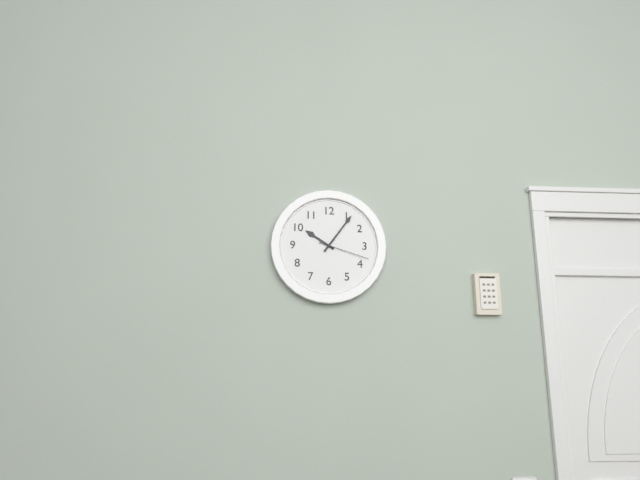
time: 10:06:18
